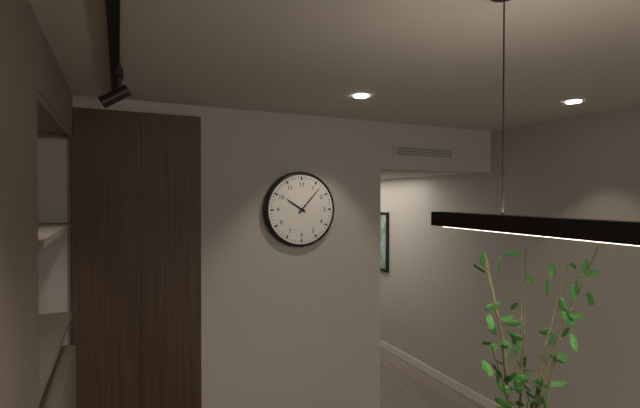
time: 10:07
